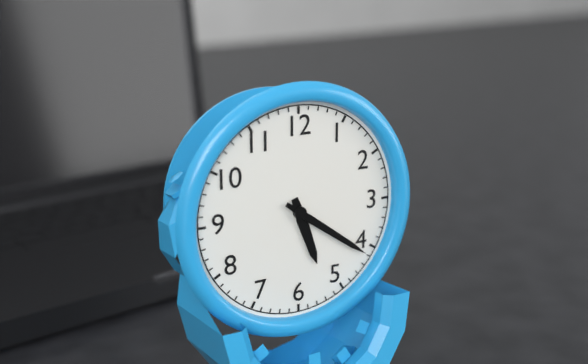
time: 5:21
